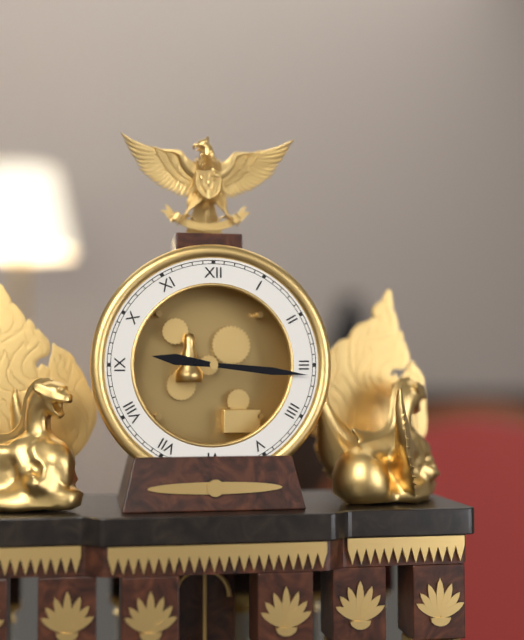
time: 9:16
